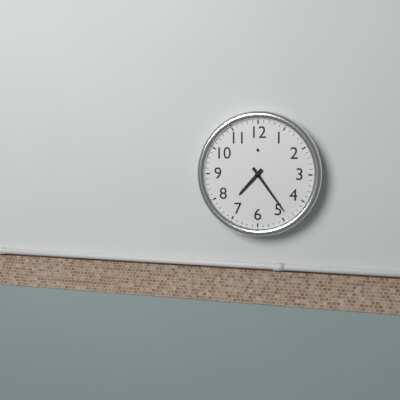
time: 7:24
